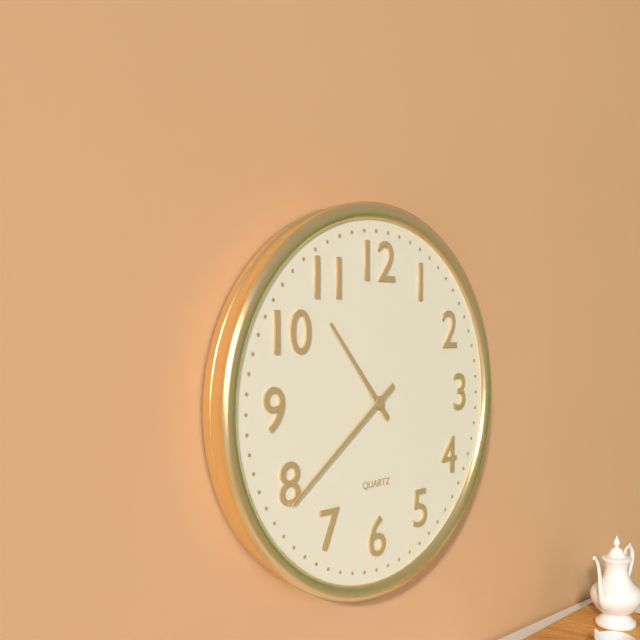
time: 10:39
